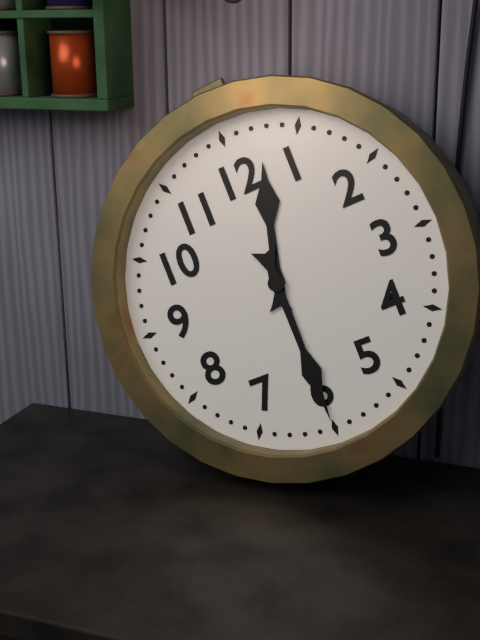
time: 12:30
